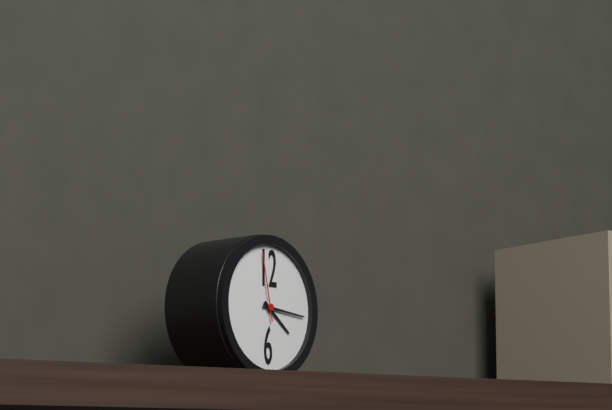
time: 4:16:58
